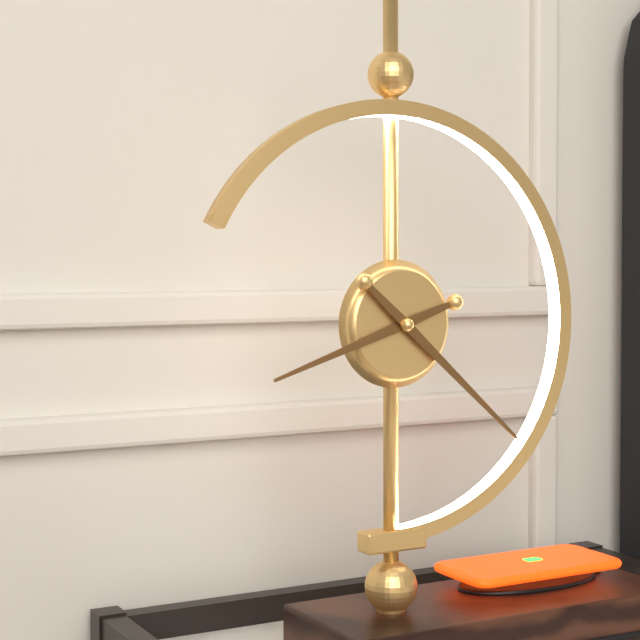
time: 8:22
